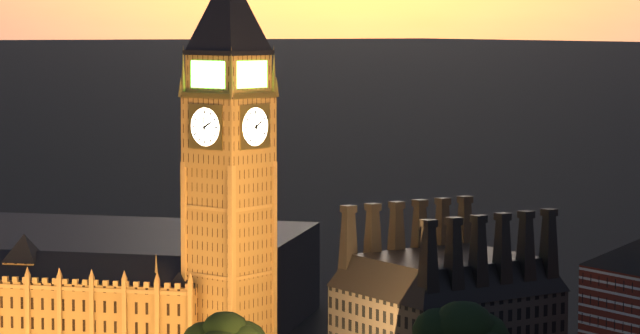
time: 1:59
